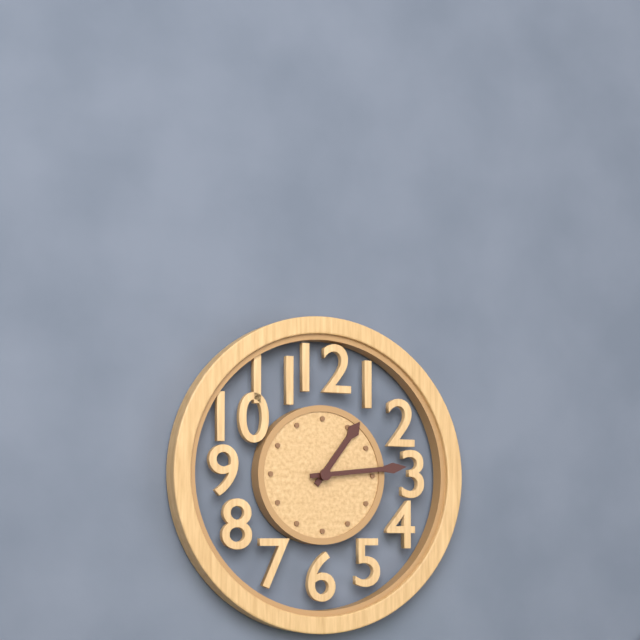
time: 1:14
